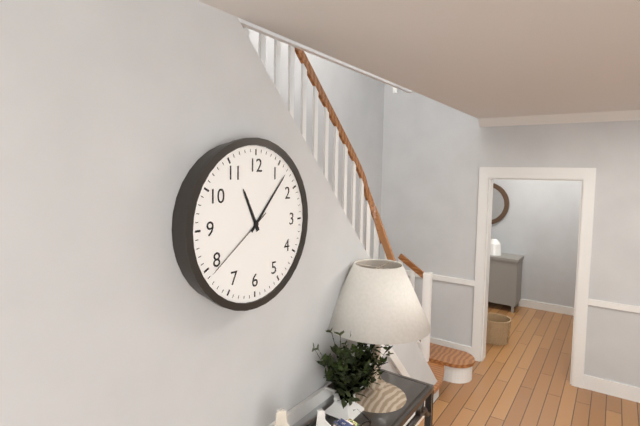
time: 11:07:39
